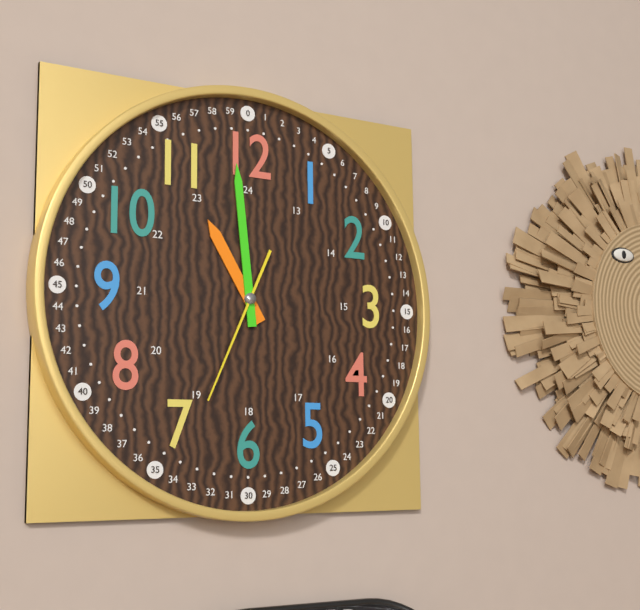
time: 10:59:34
